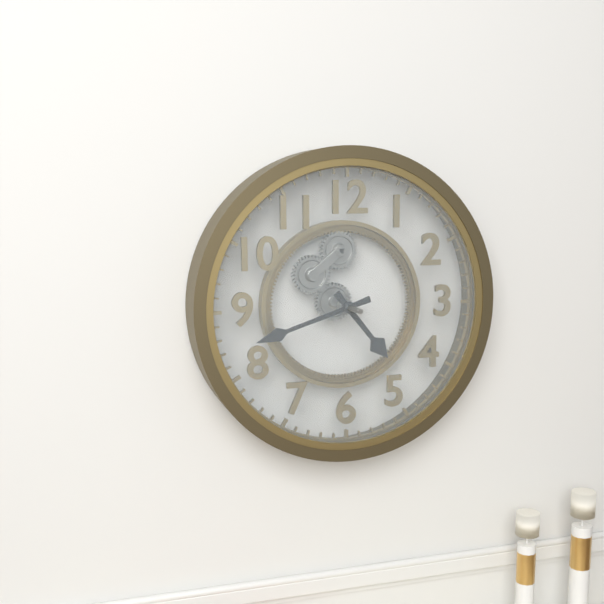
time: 4:42
